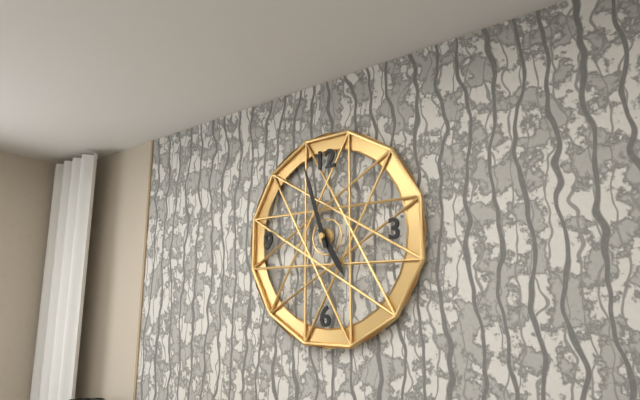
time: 4:57
